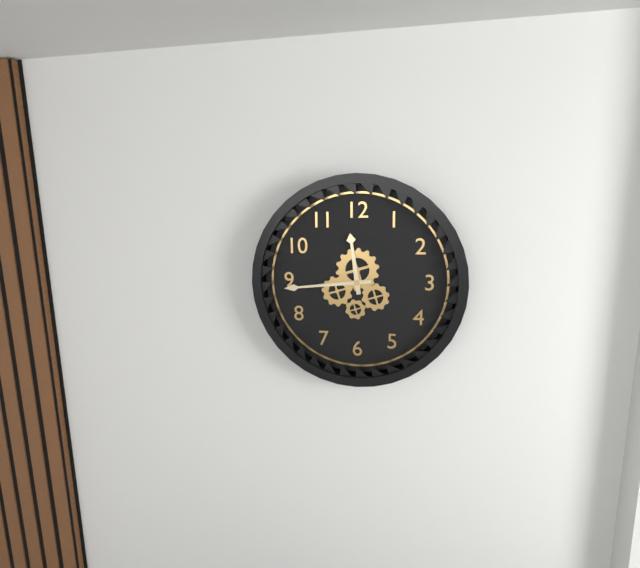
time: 11:44
